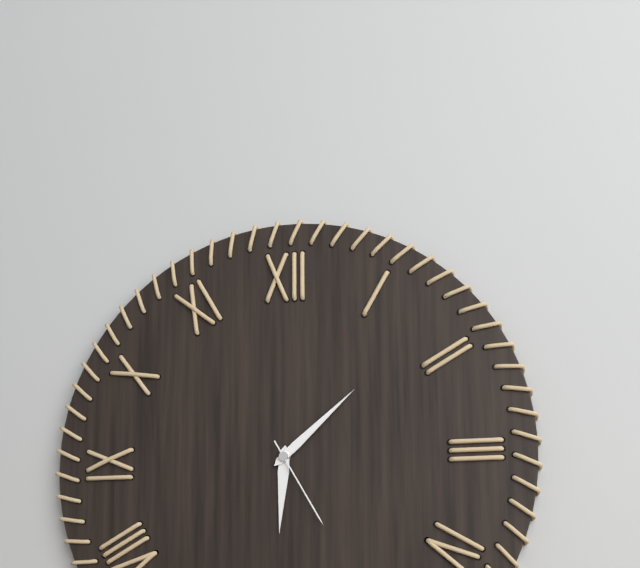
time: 6:08:25
